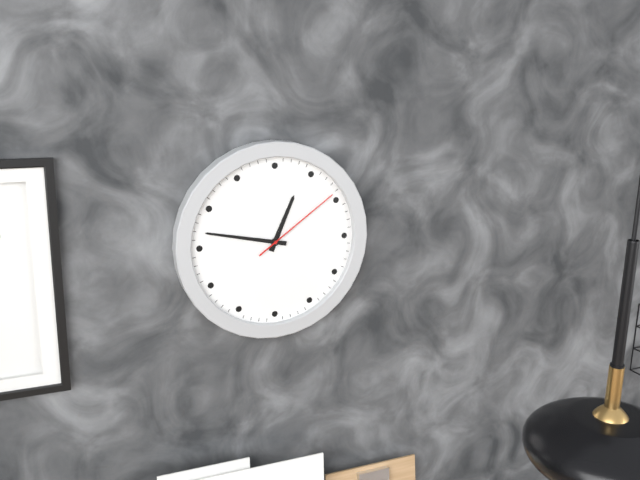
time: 12:47:09
